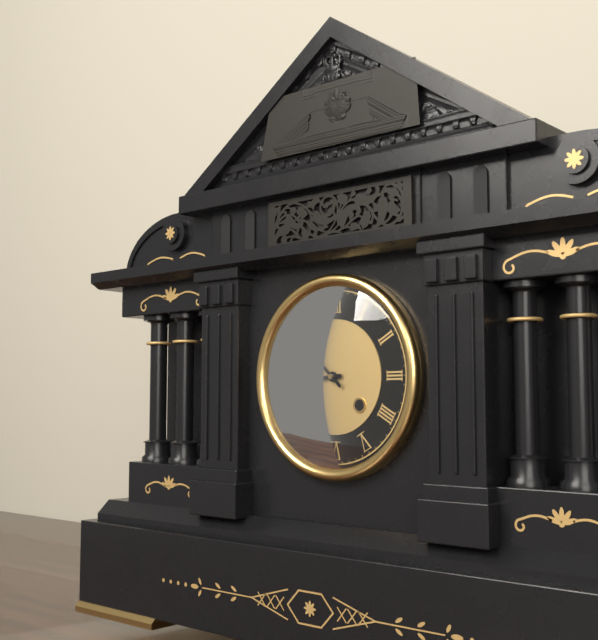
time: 8:52
